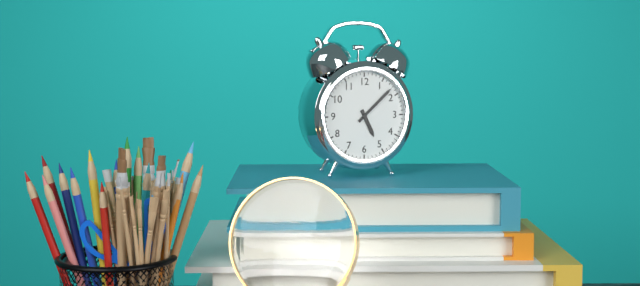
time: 5:08
